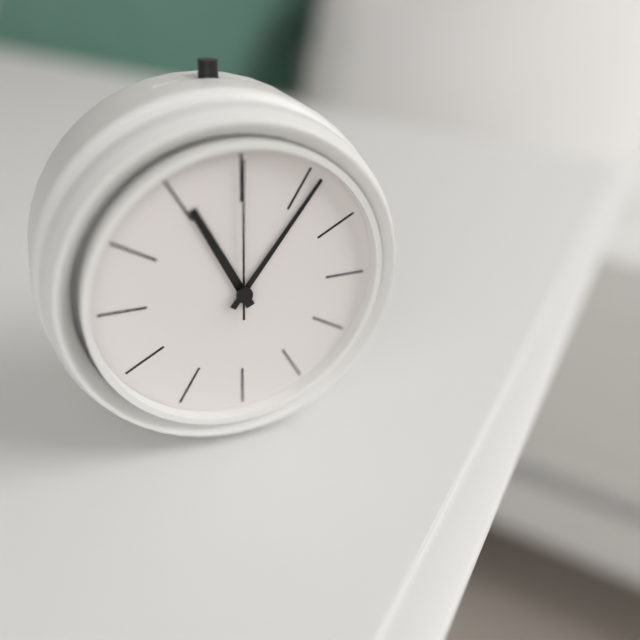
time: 11:06:00
